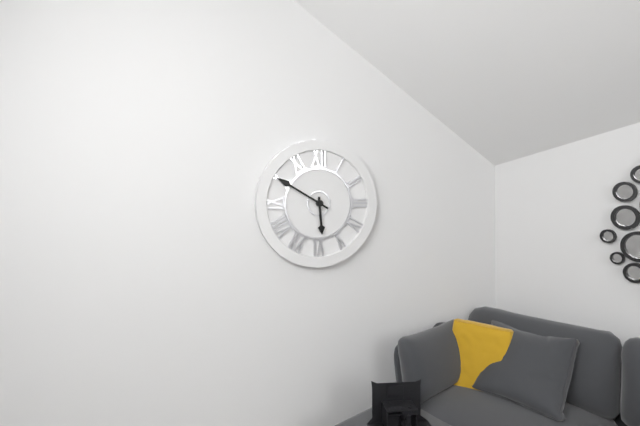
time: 5:50
